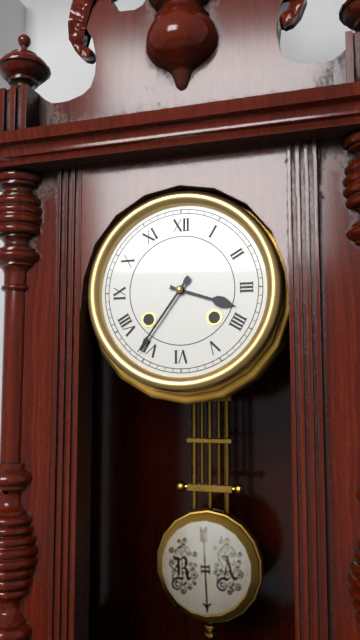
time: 3:36
